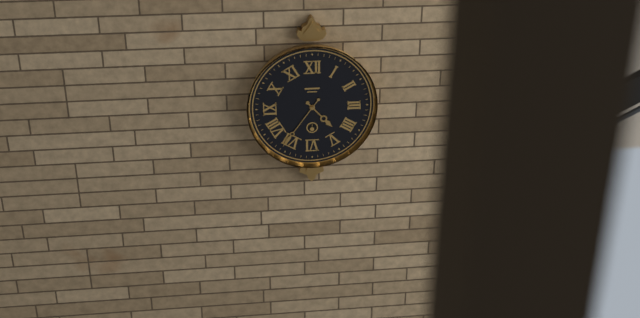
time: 4:36
